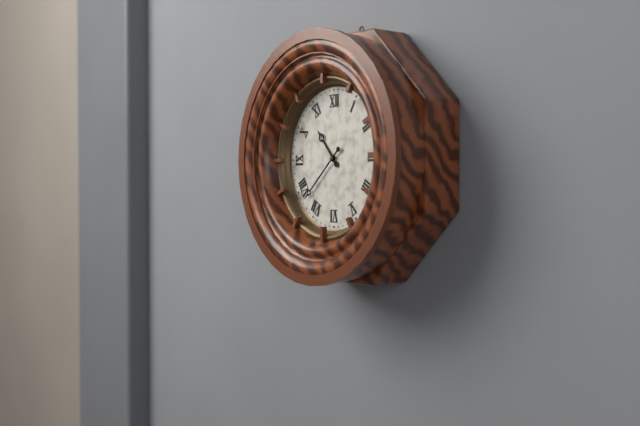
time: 10:38
